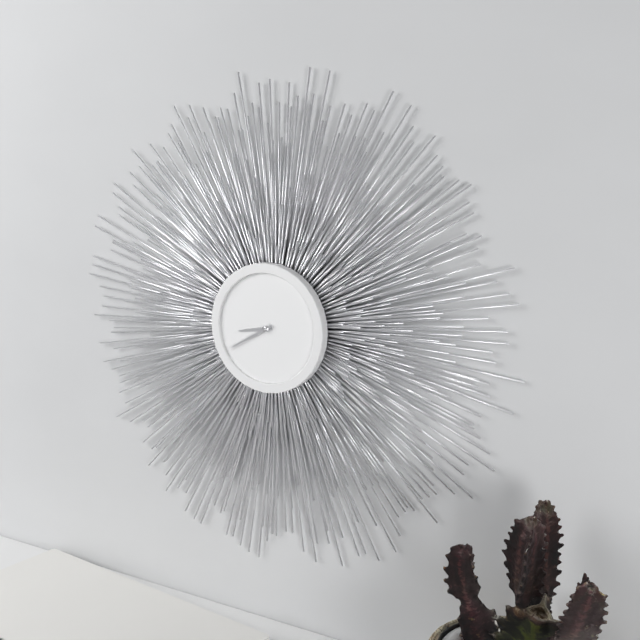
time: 8:40
